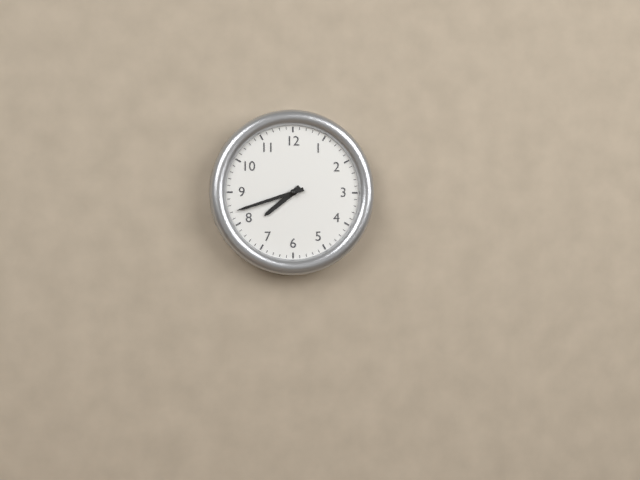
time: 7:42
